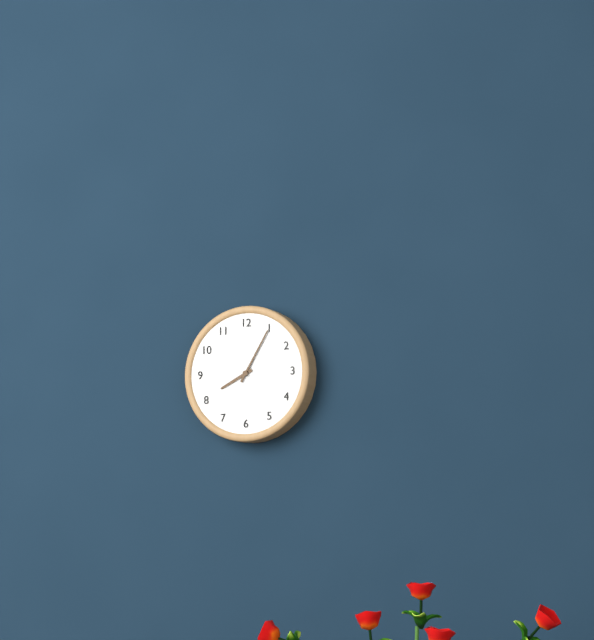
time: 8:05
